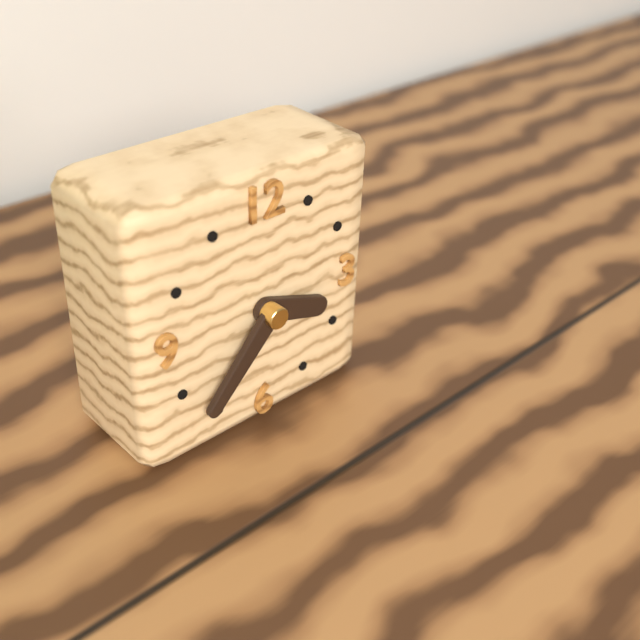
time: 3:37
